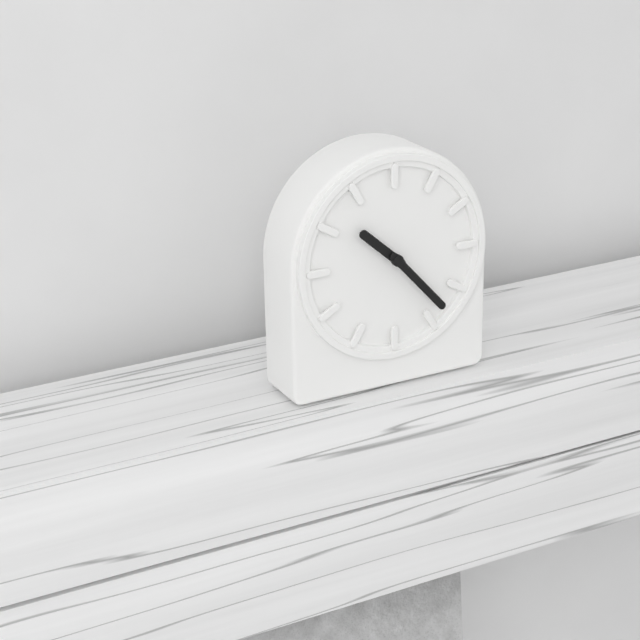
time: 10:23
